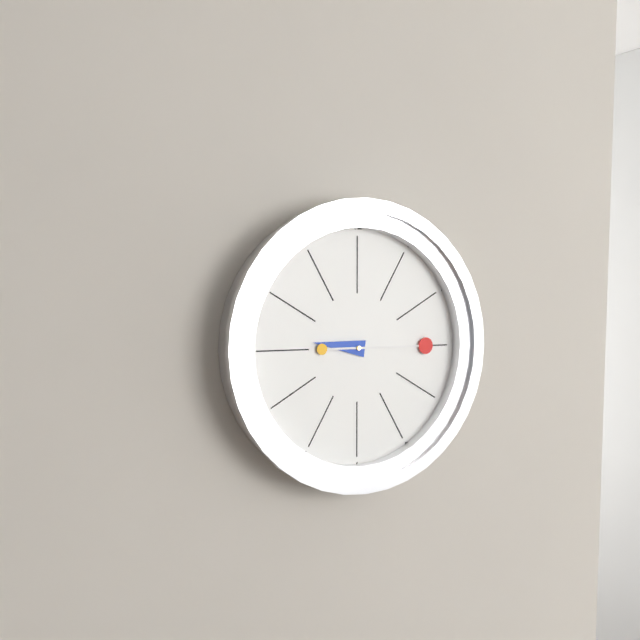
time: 9:15
